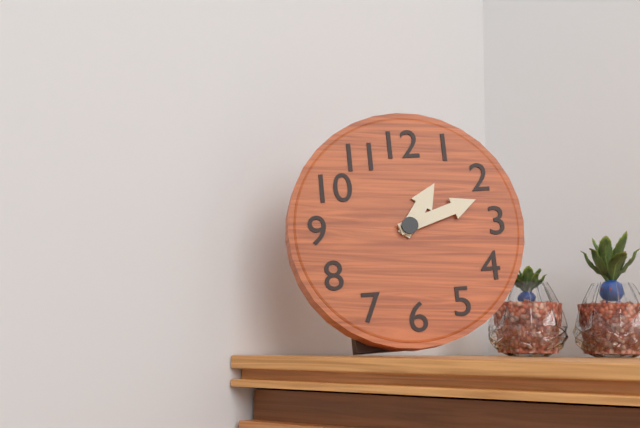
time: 1:12
